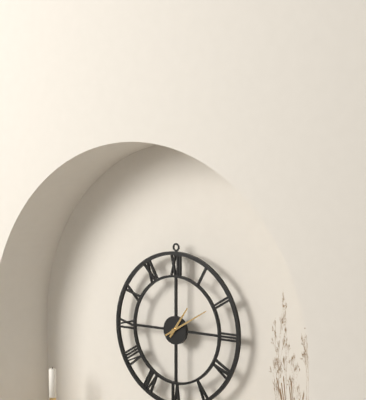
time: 1:10
